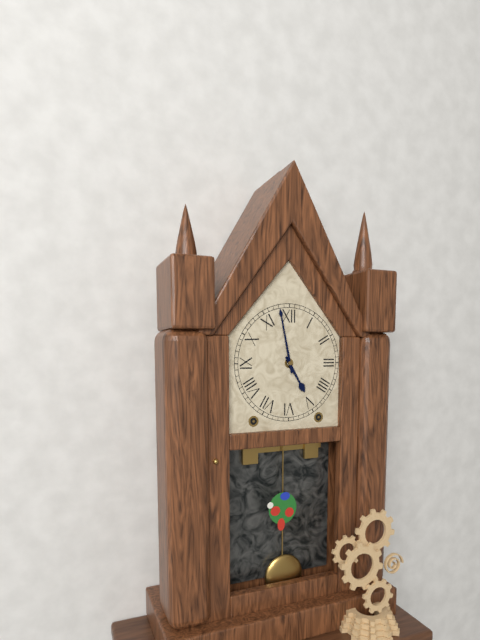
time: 4:58
